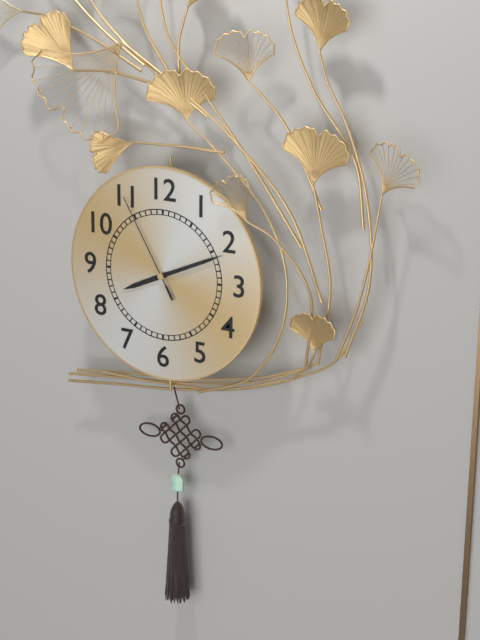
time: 8:11:55
